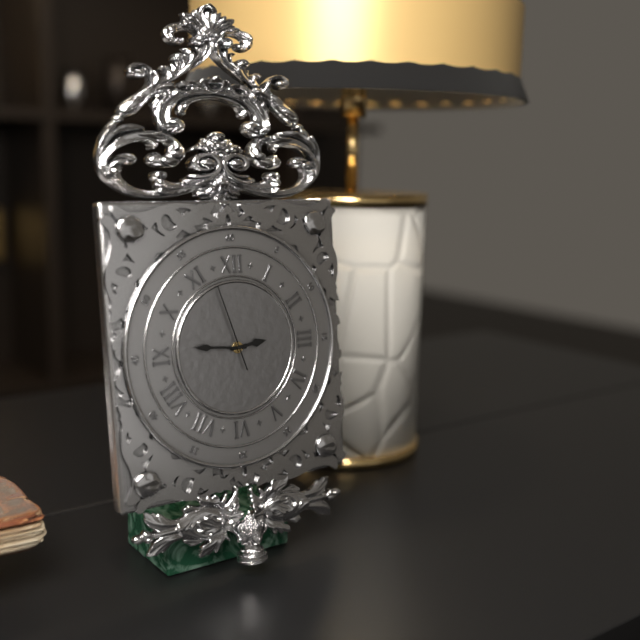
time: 2:46:57
